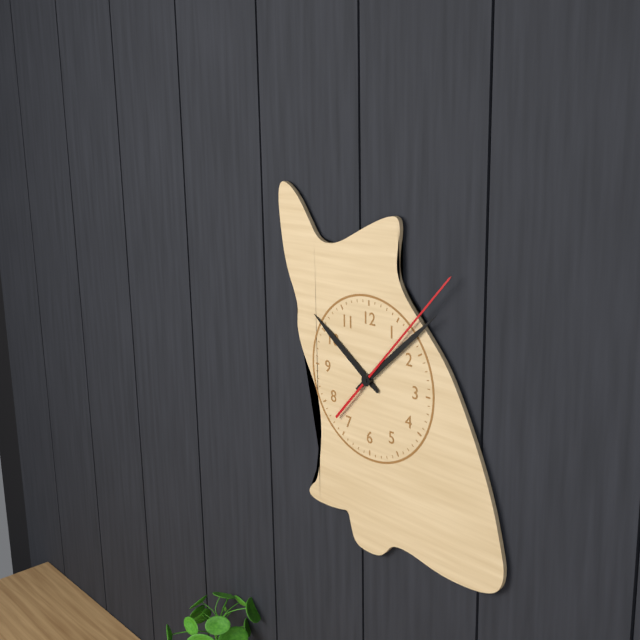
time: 10:08:07
